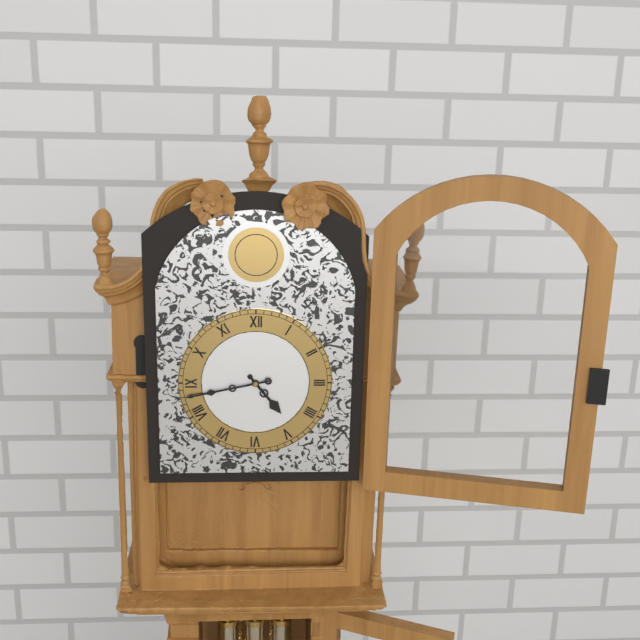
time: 4:43
